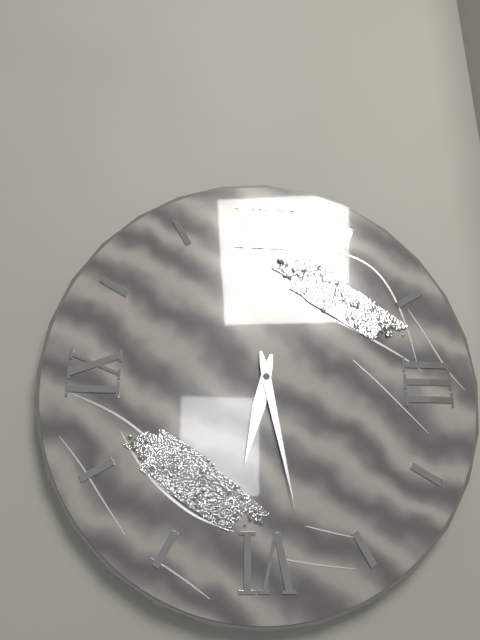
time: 6:28
